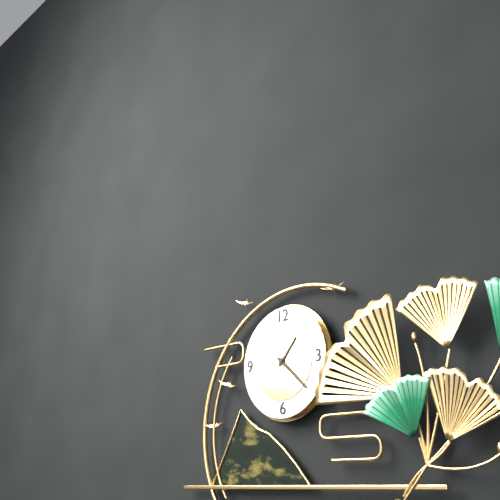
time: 1:22
